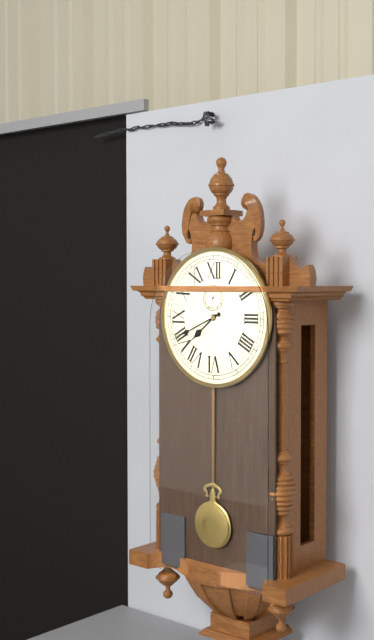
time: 7:41
